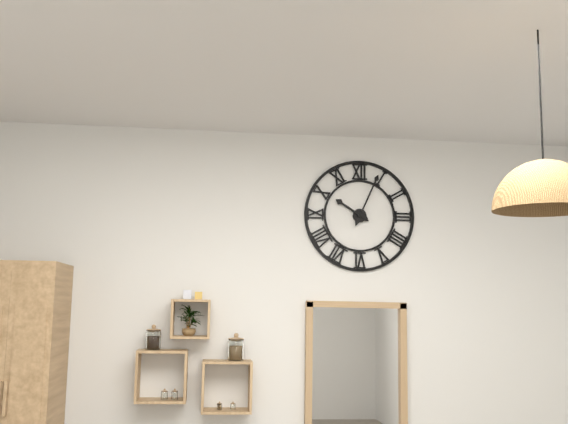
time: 10:04
